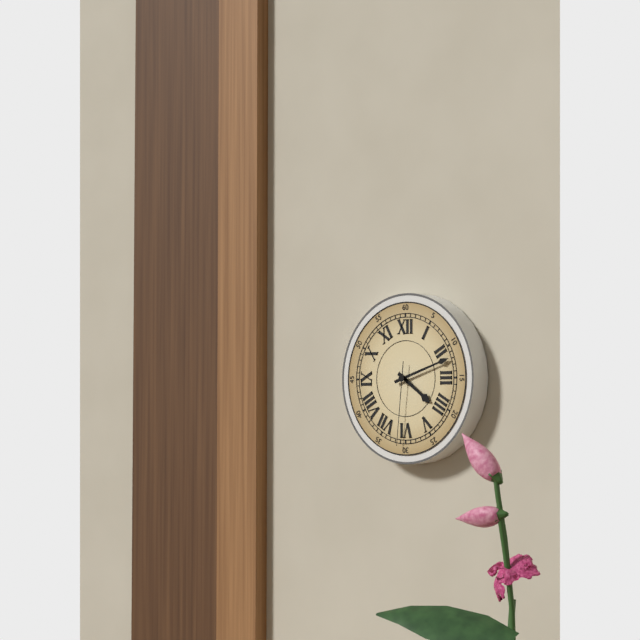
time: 4:12:31
